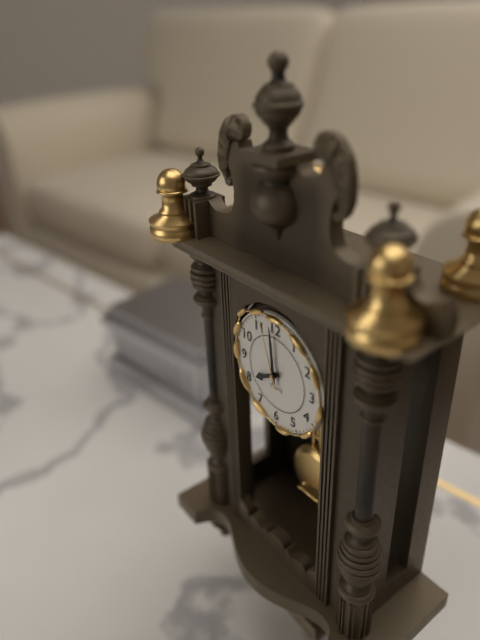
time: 7:59:57
